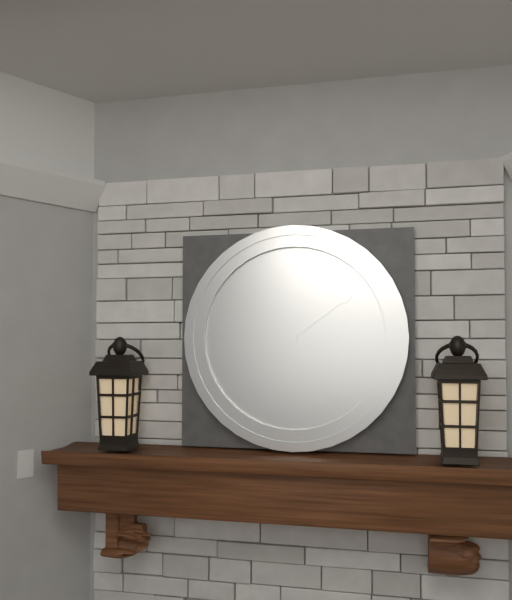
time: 5:09
